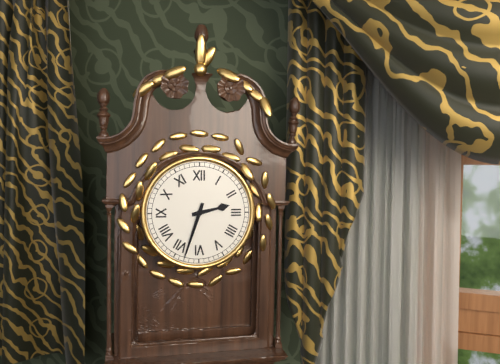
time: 2:33
